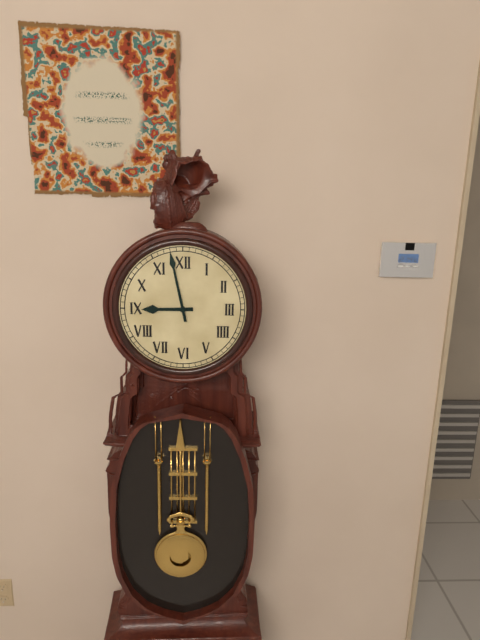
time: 8:58
